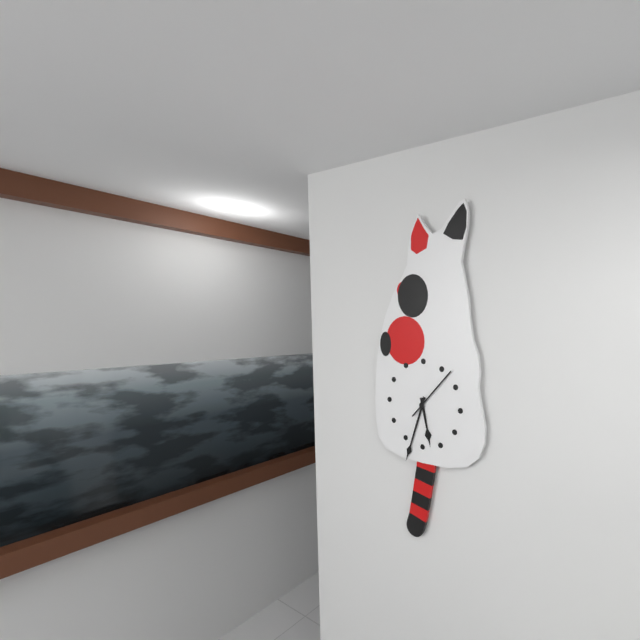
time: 5:33
